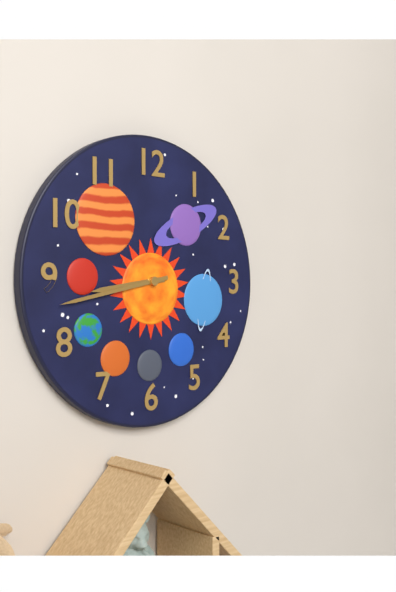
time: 8:43
